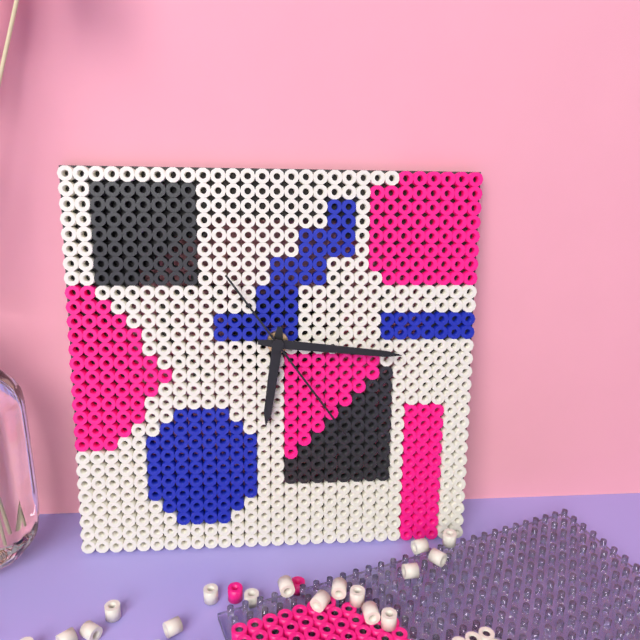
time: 6:16:24
